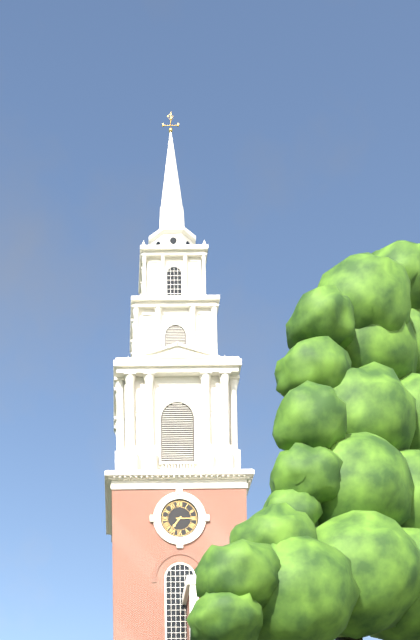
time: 7:15
